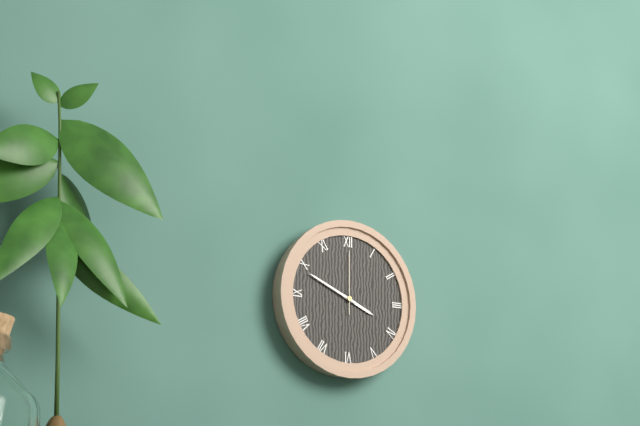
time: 3:49:00
